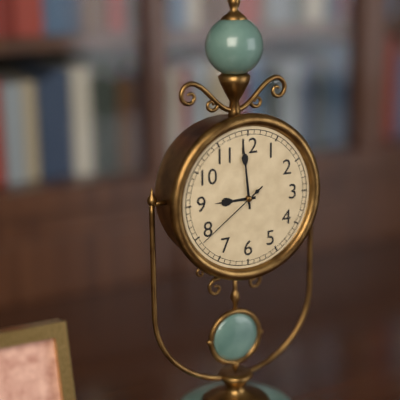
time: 8:59:39
